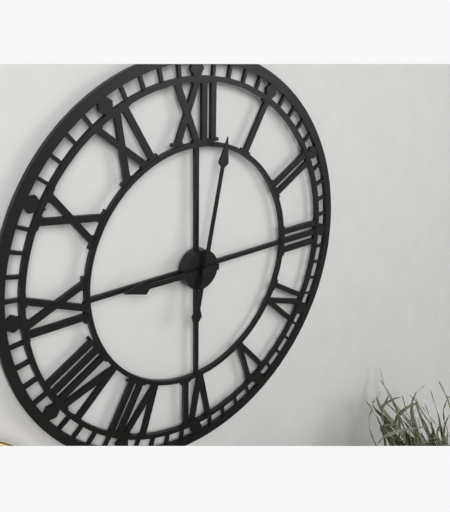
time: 9:02
